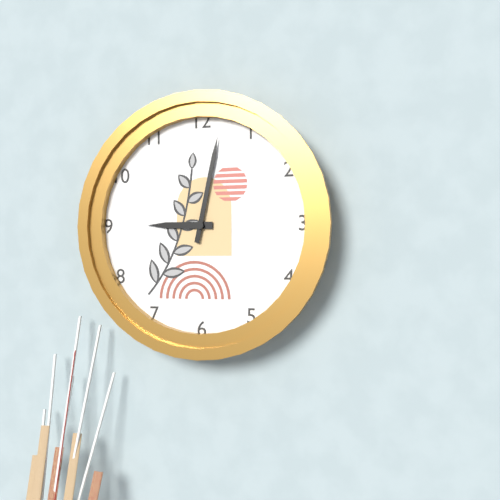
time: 9:02
